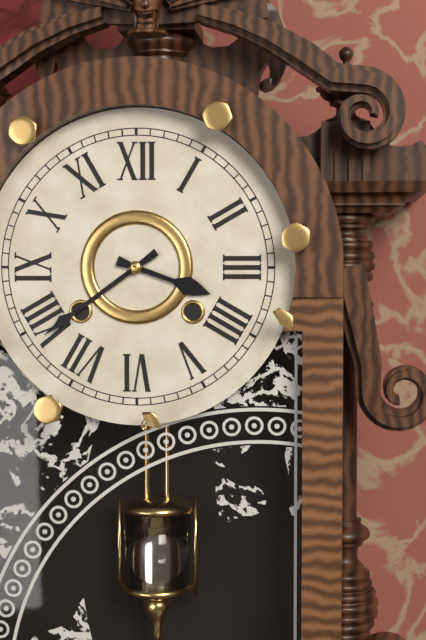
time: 3:39
